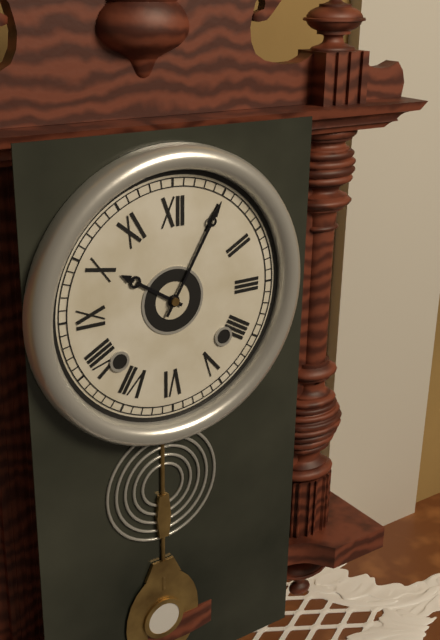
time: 10:05
